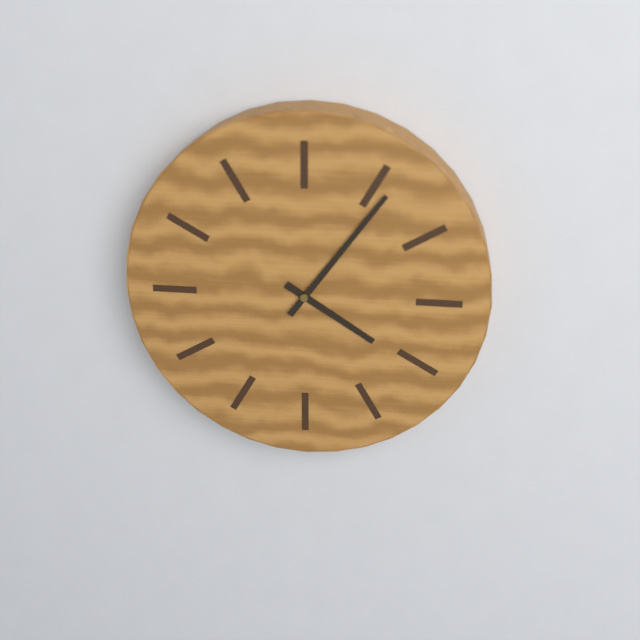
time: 4:06
